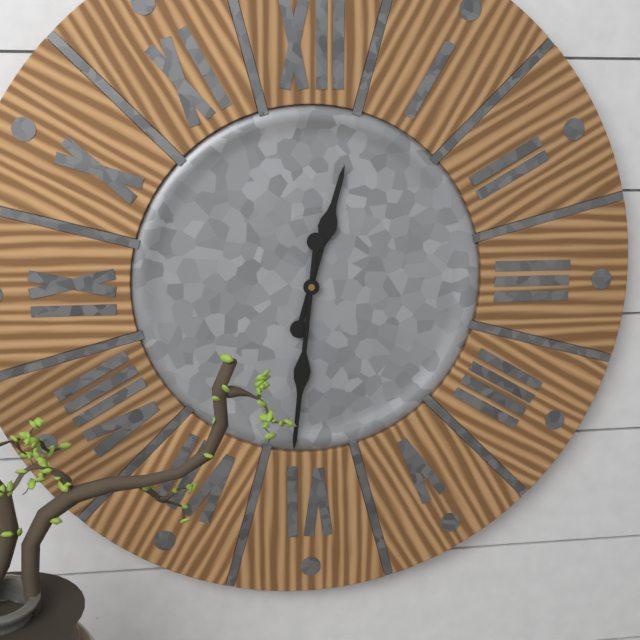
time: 12:31
